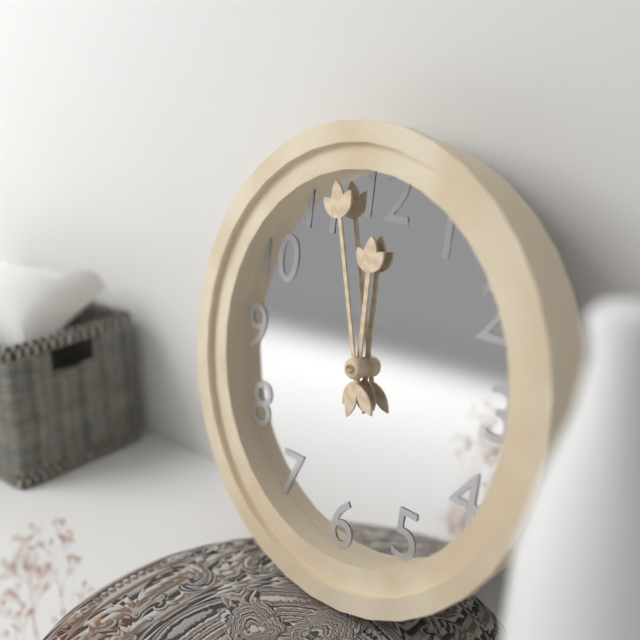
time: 11:57
